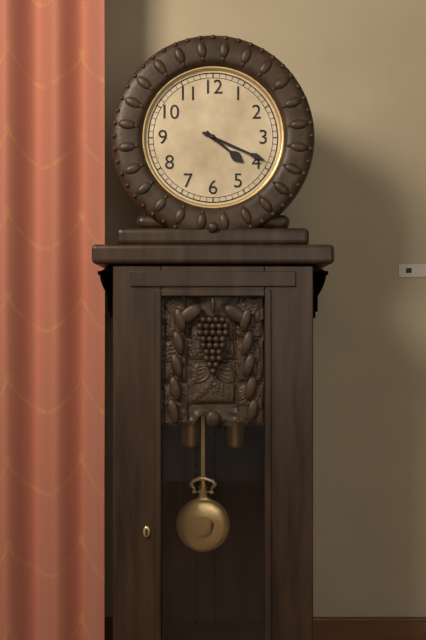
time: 4:19
